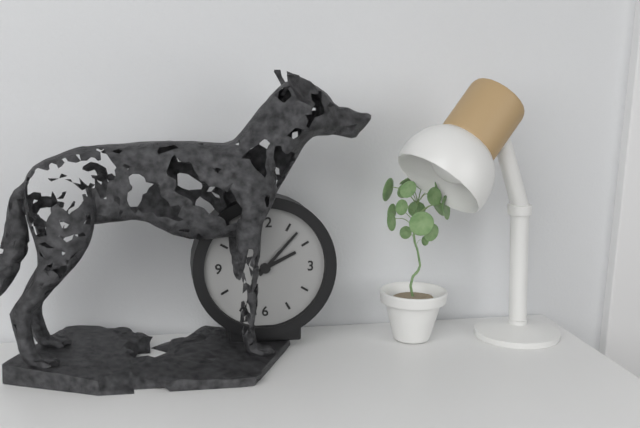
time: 2:07
